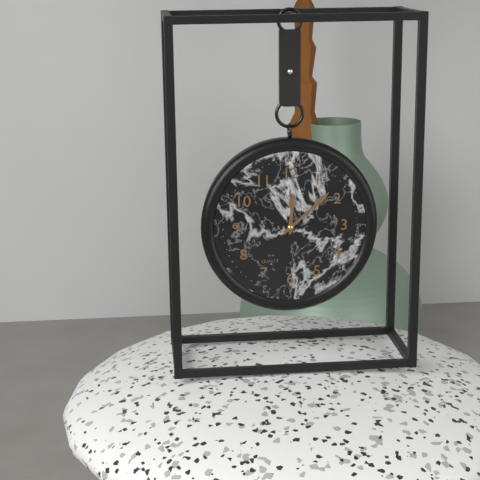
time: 12:08
